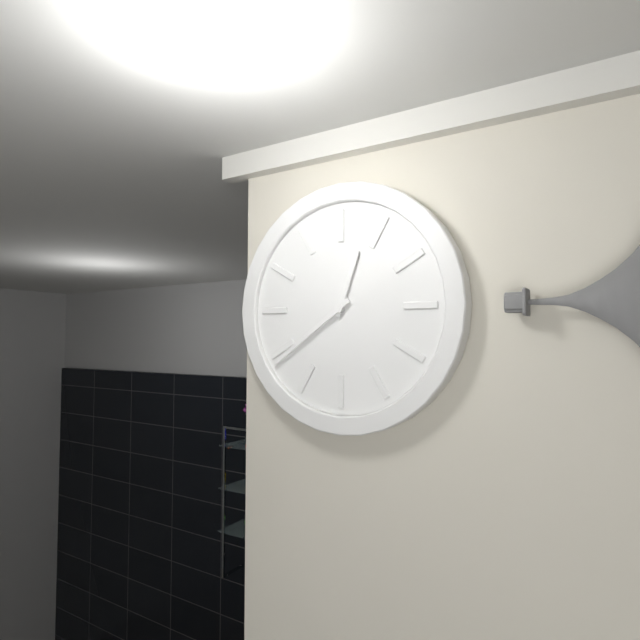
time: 12:39
